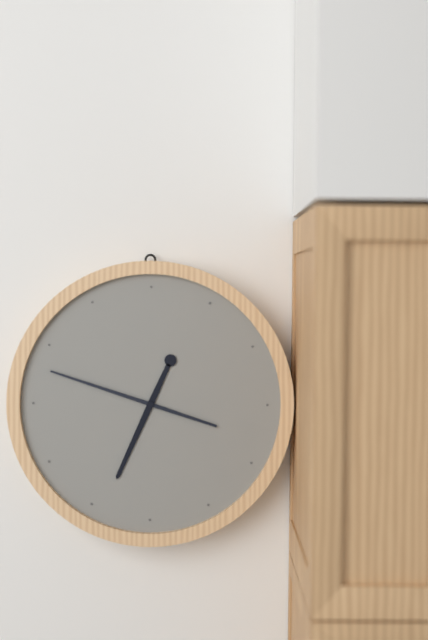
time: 6:48
